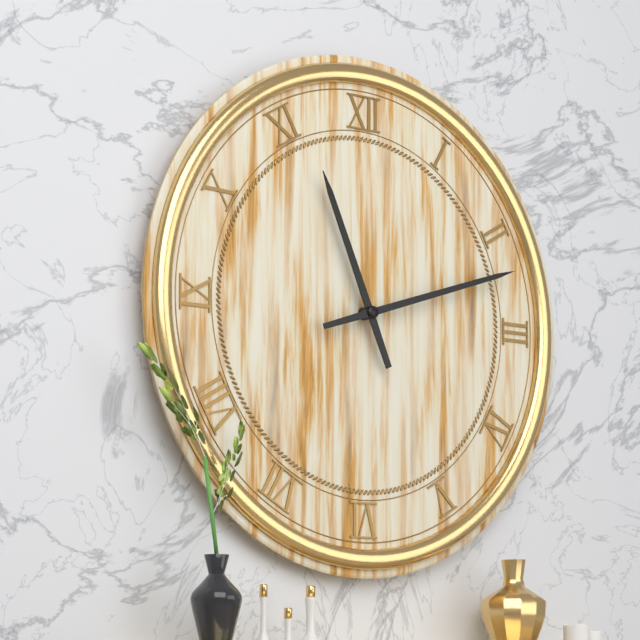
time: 11:12
